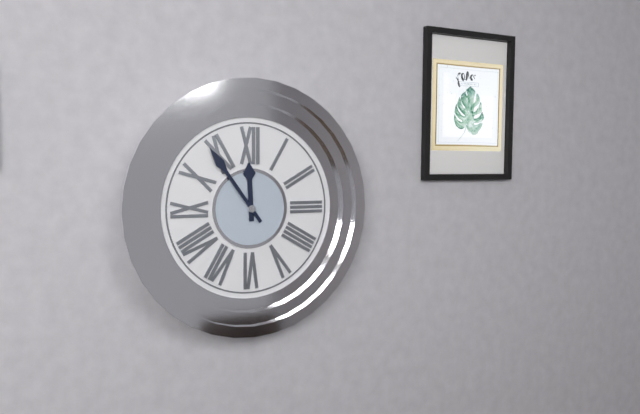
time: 11:54
